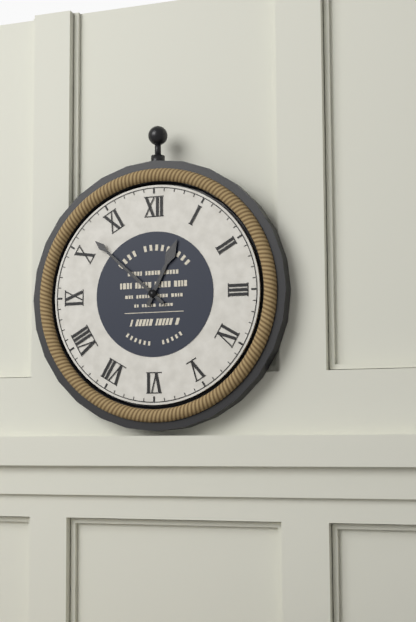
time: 12:52
